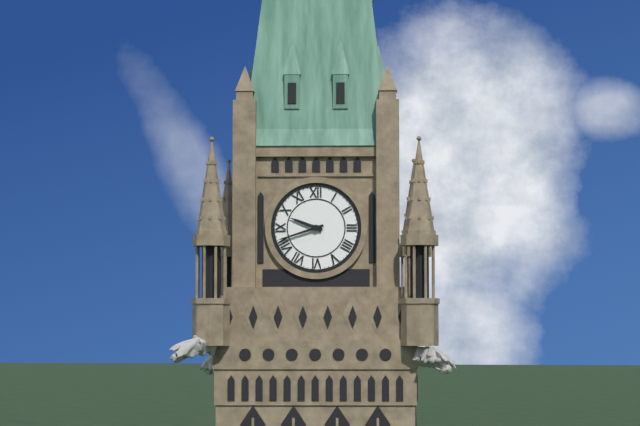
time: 9:42
